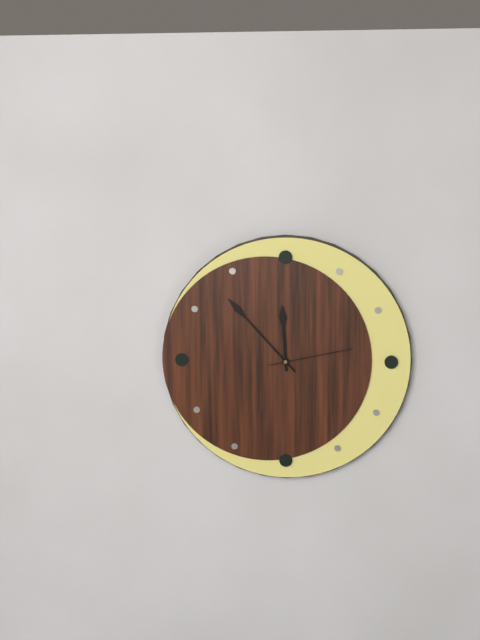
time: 11:53:13
